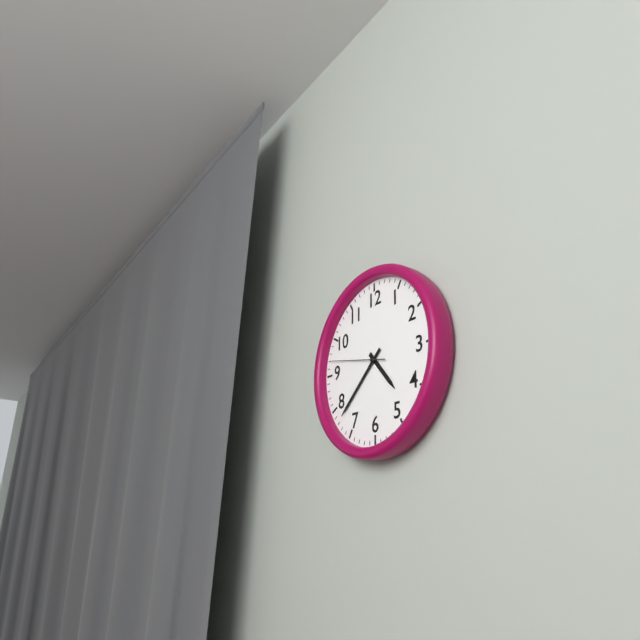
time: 4:38:47
